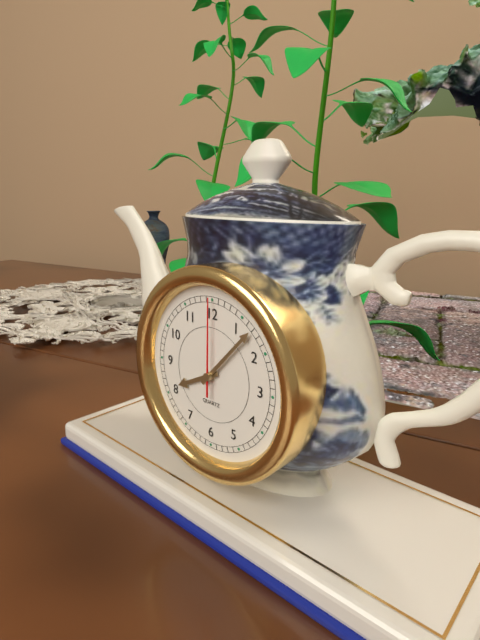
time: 8:07:00
